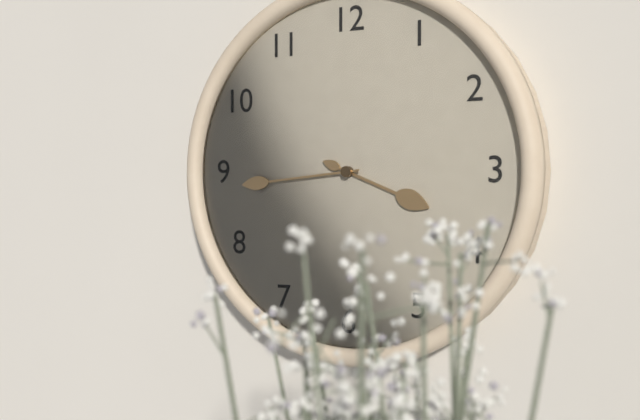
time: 3:44
